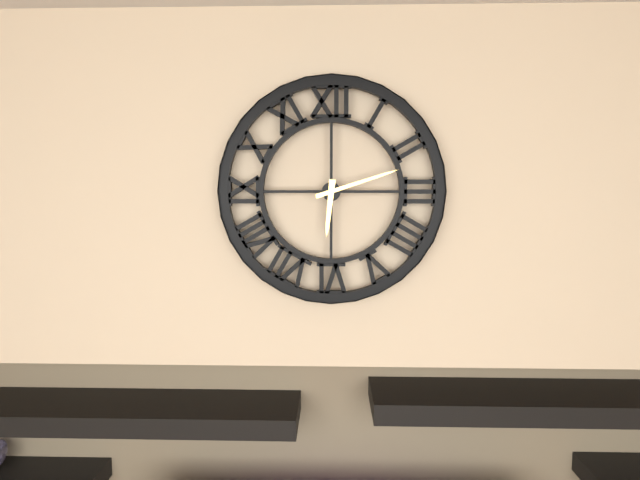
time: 6:12
